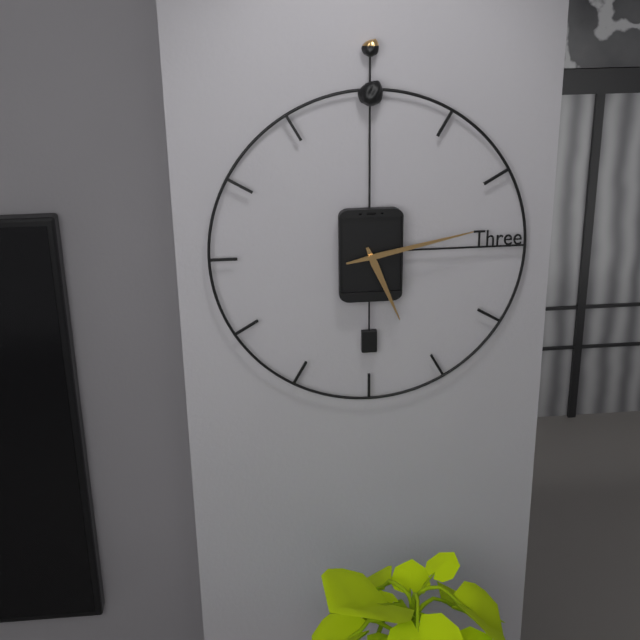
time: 5:13
